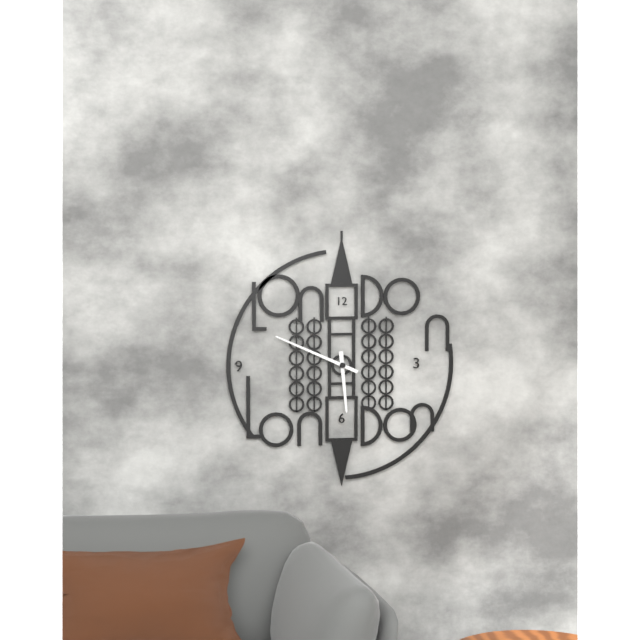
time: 5:49
